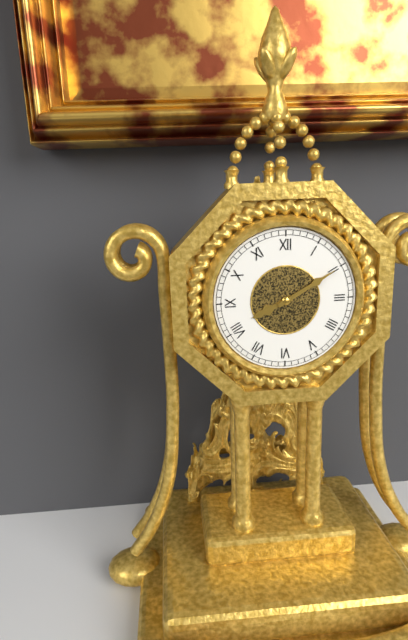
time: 8:10
